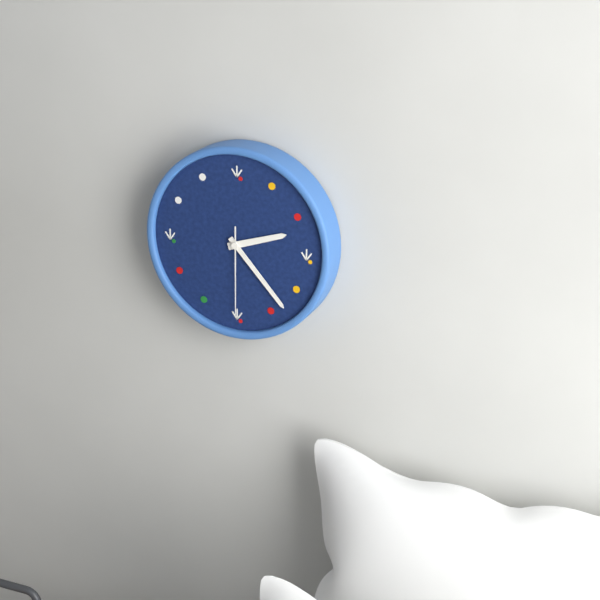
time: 2:23:30
